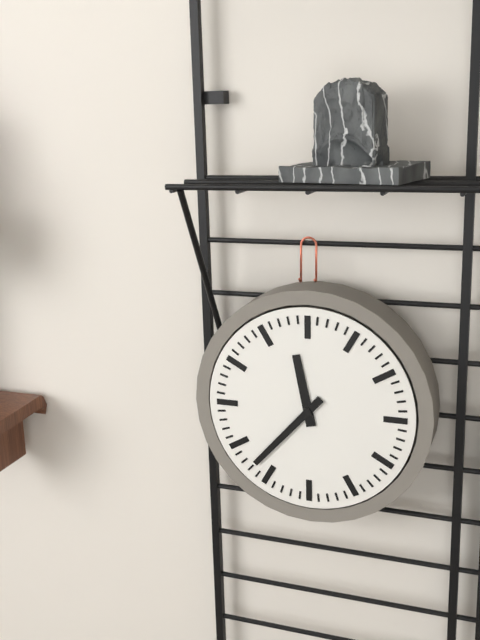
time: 11:37
